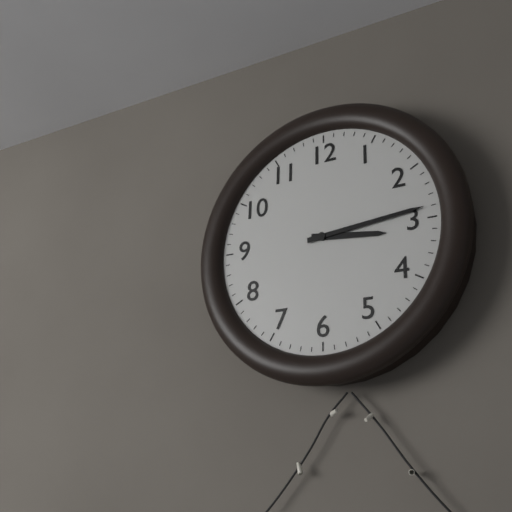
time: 3:14
